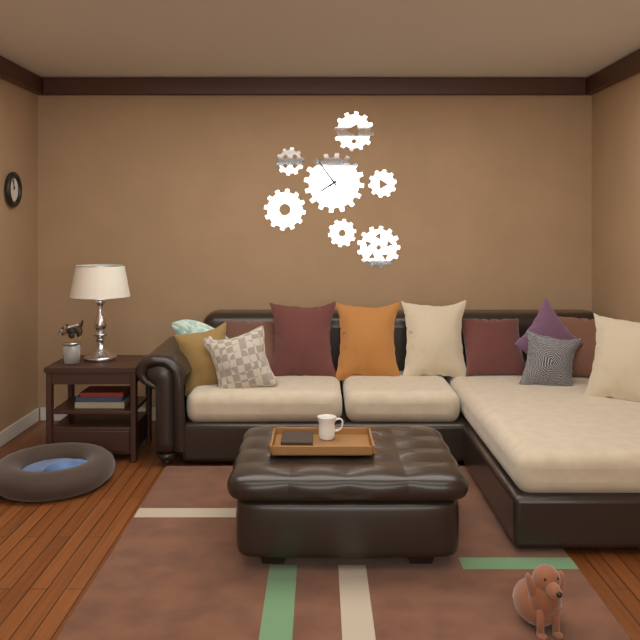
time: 7:54
